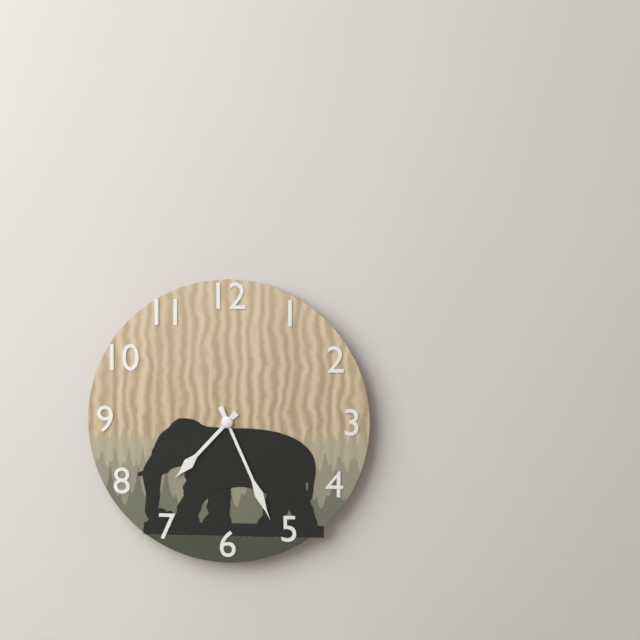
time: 7:26
